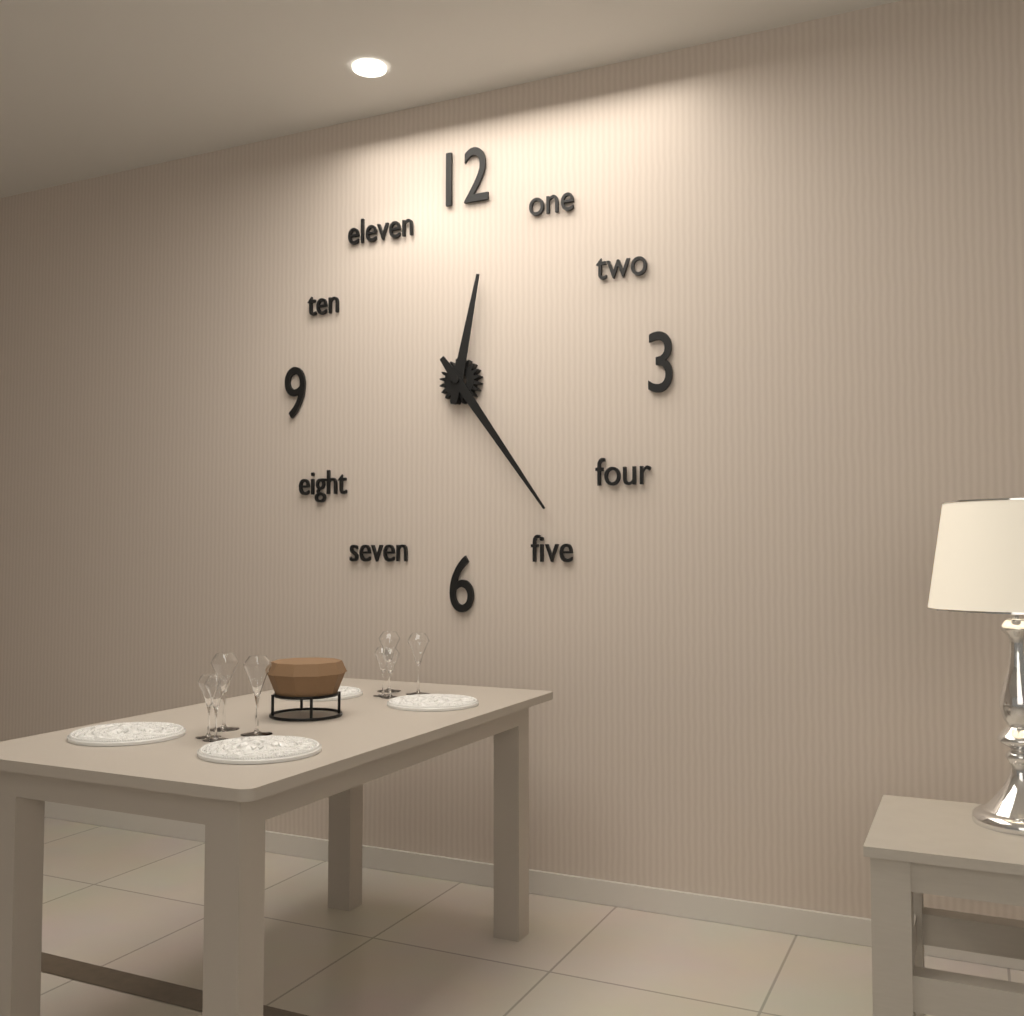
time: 12:24
